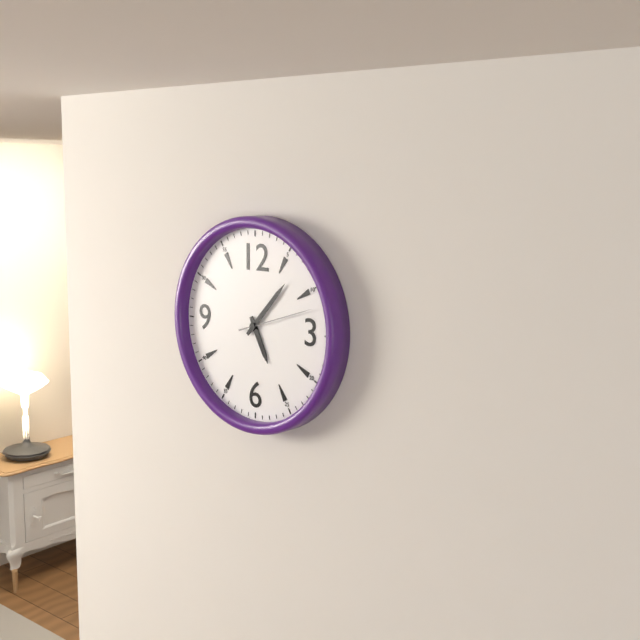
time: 5:07:12
